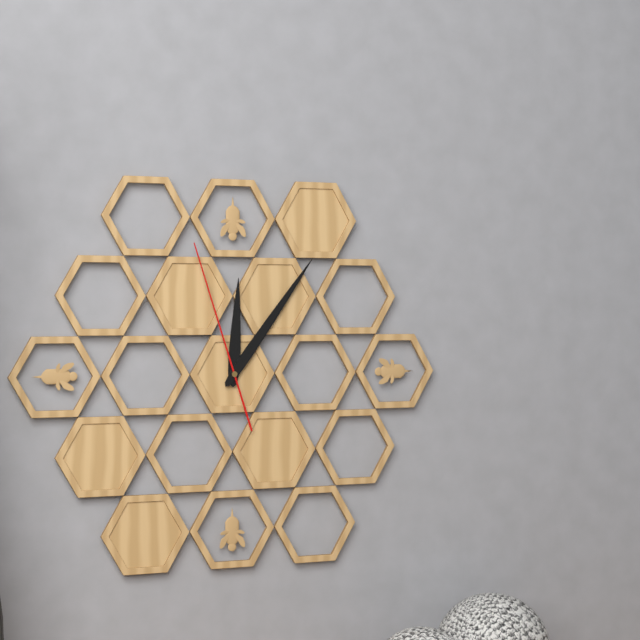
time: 12:06:57
